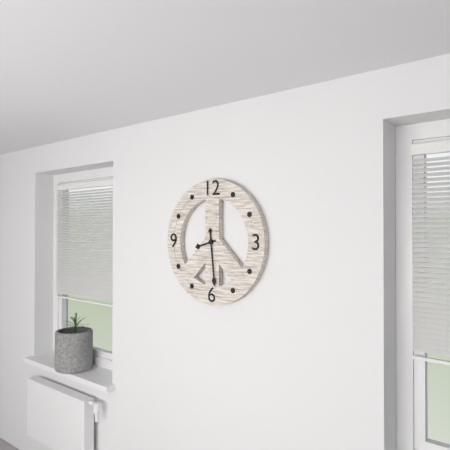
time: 8:29
